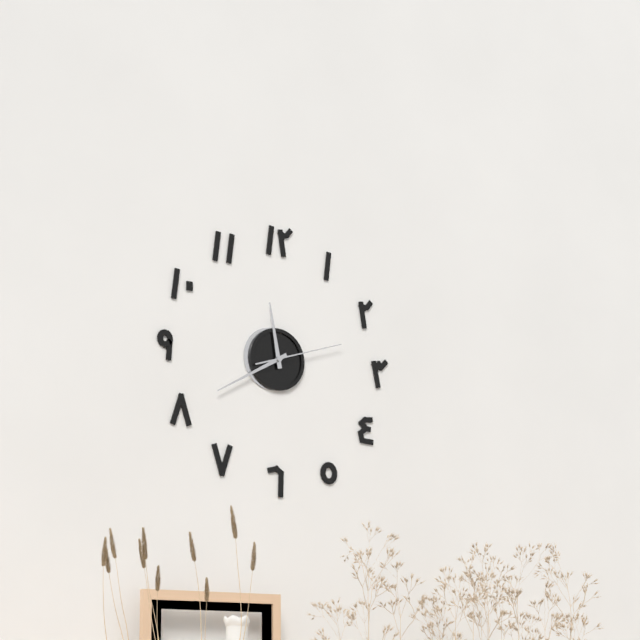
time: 11:40:12
